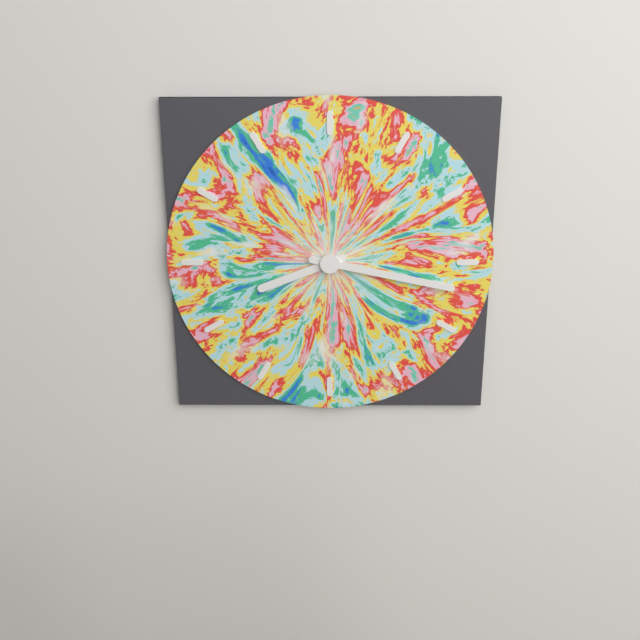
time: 8:17
